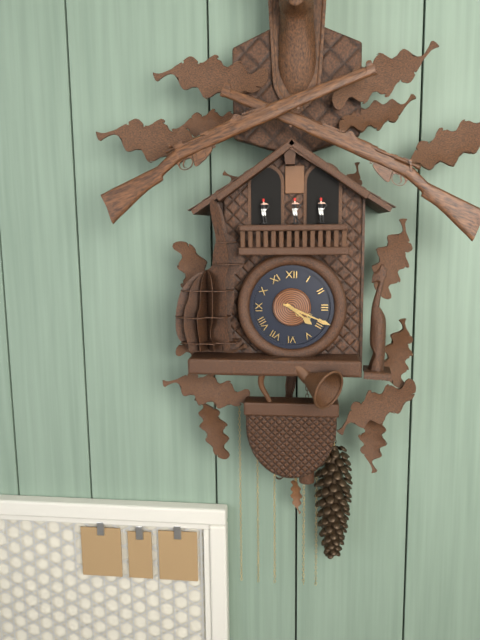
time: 4:19
